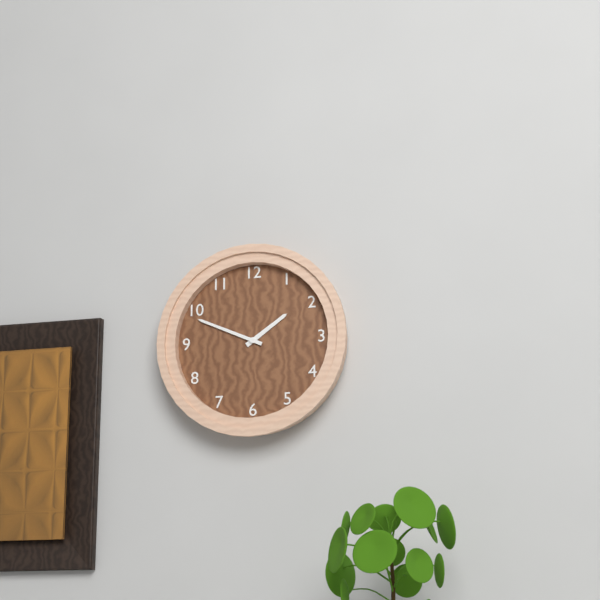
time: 1:49
